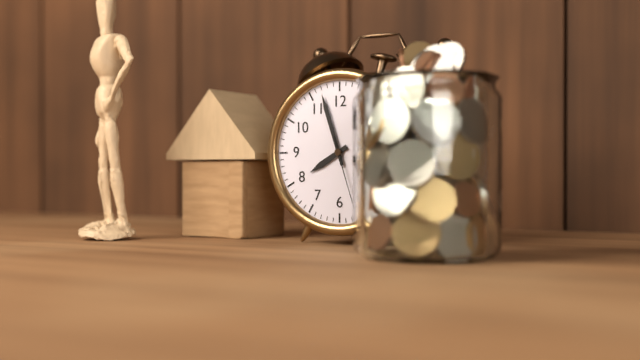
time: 7:57:27
